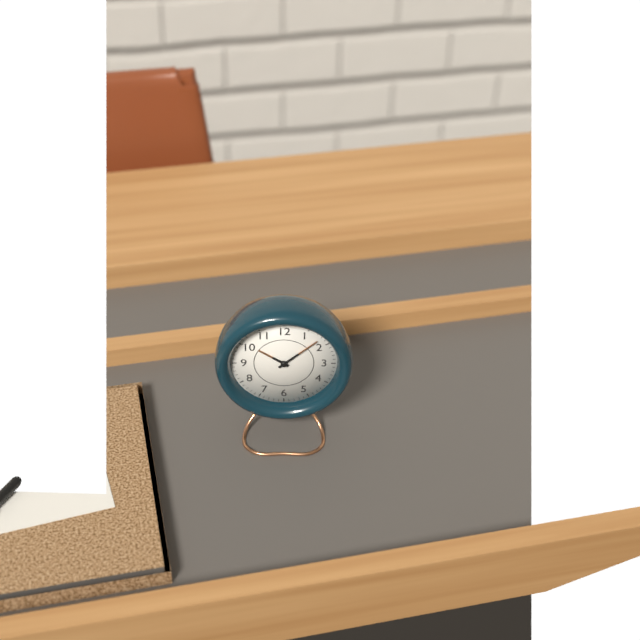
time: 10:08
